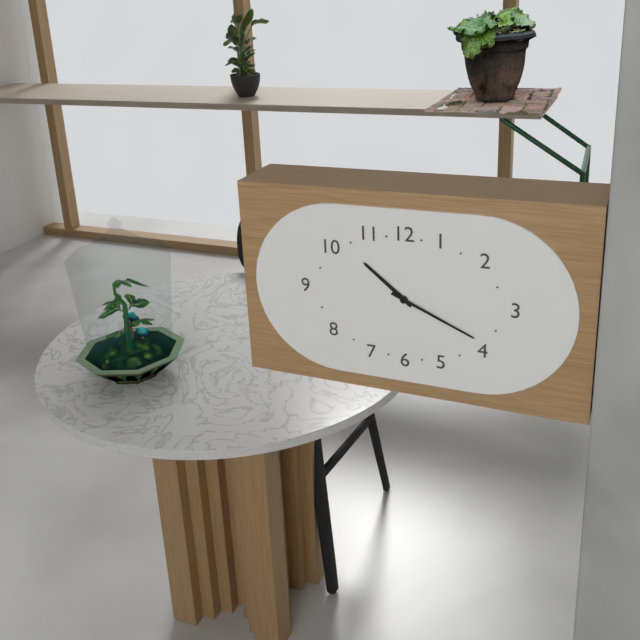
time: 10:19
